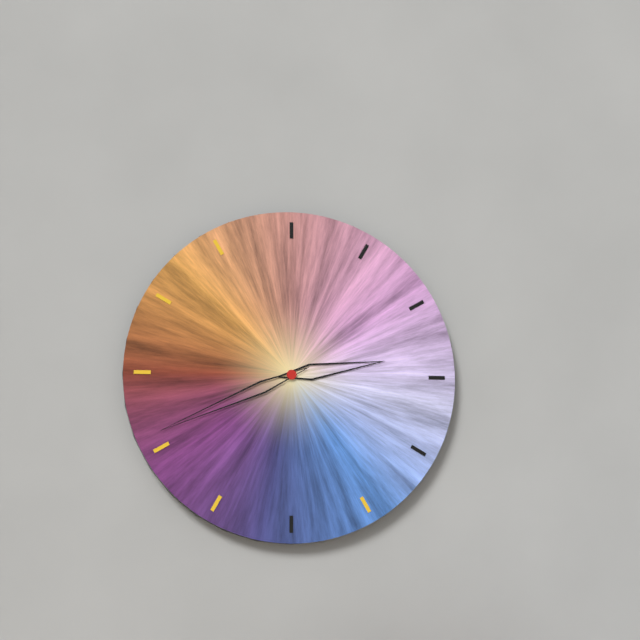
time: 2:41
